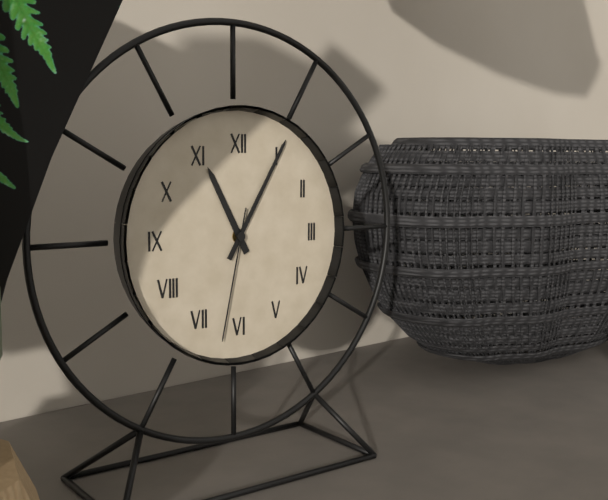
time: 11:05:32
